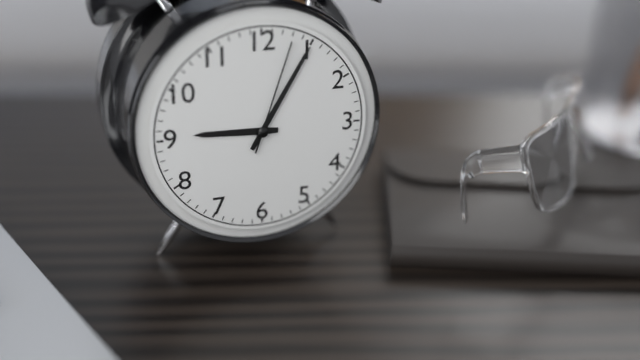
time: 9:05:03
